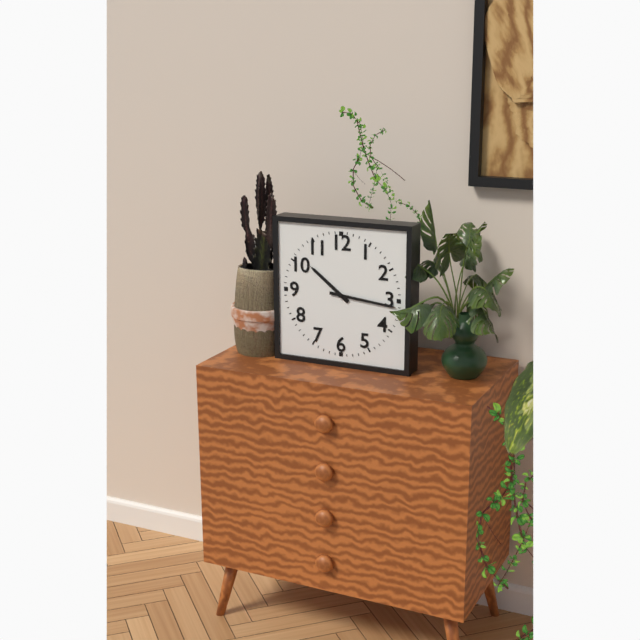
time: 10:16
